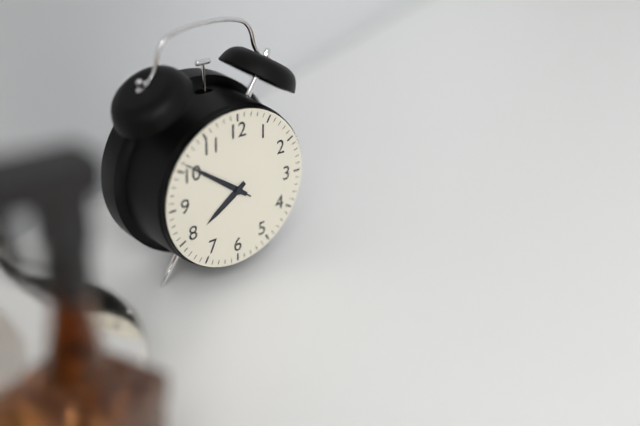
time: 7:51:51
